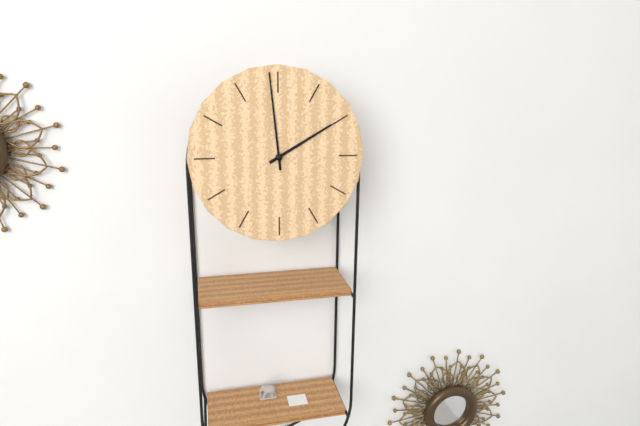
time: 1:59
